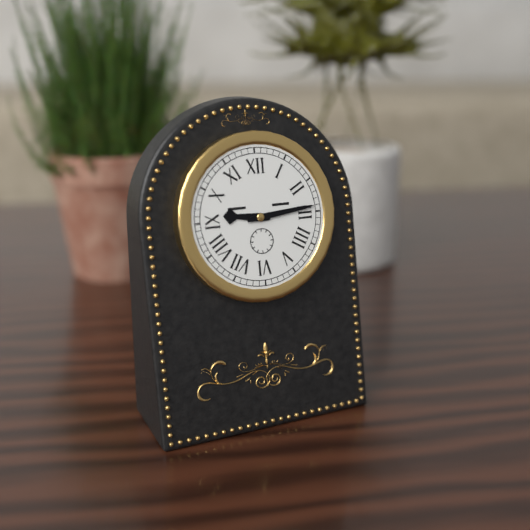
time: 9:14
